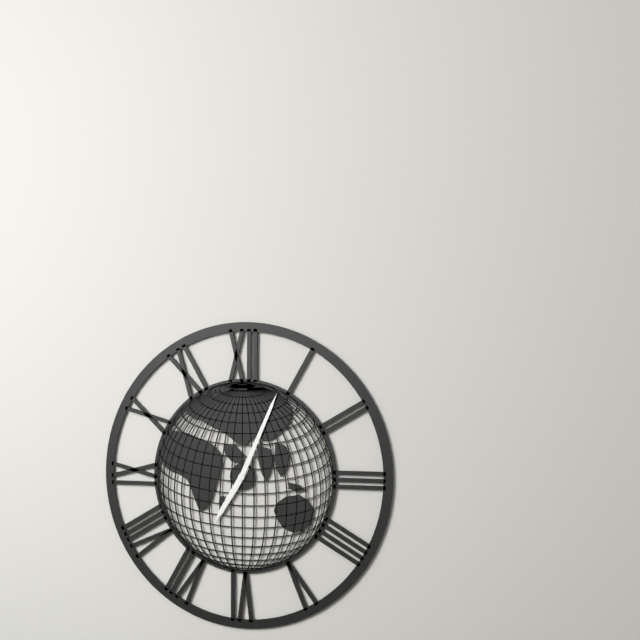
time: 7:04
